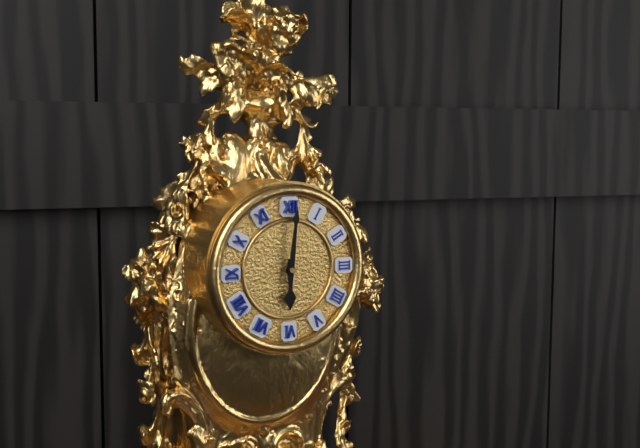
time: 6:01
